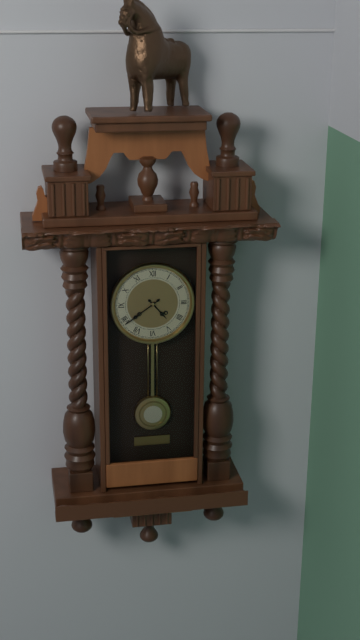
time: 4:39
